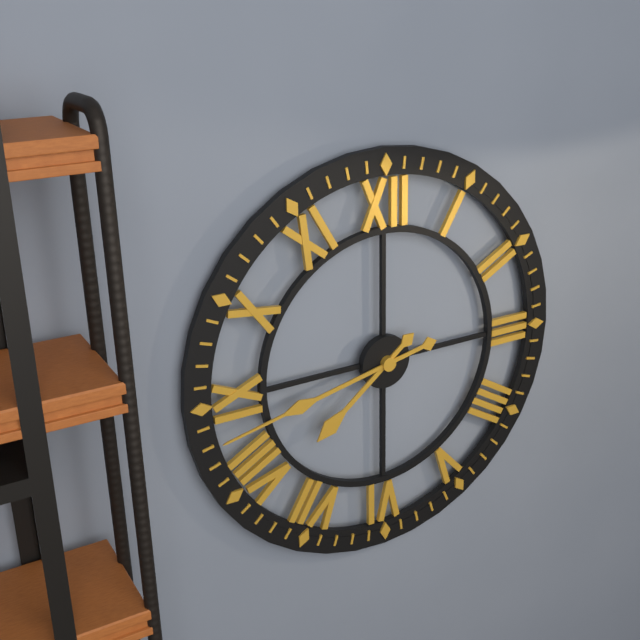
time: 7:43
